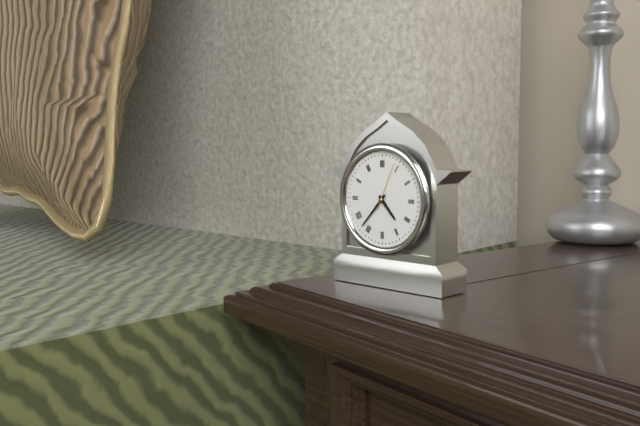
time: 4:37
